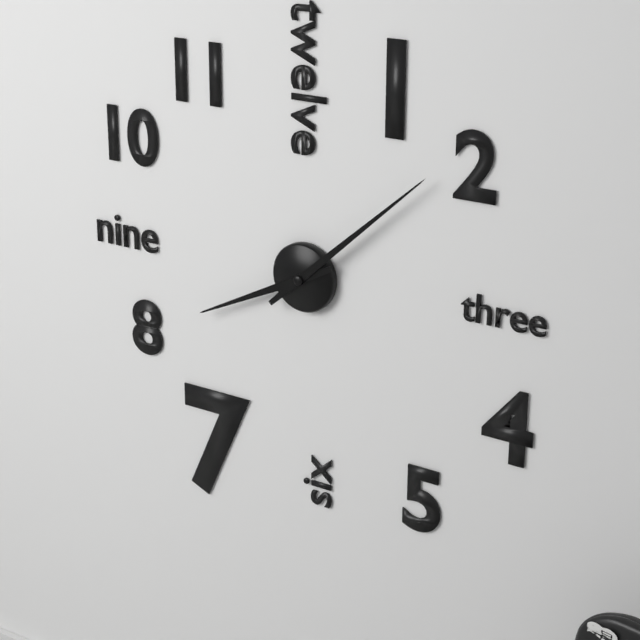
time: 8:08
